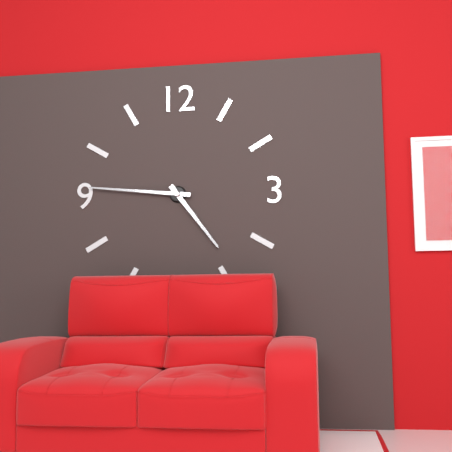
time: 4:46
